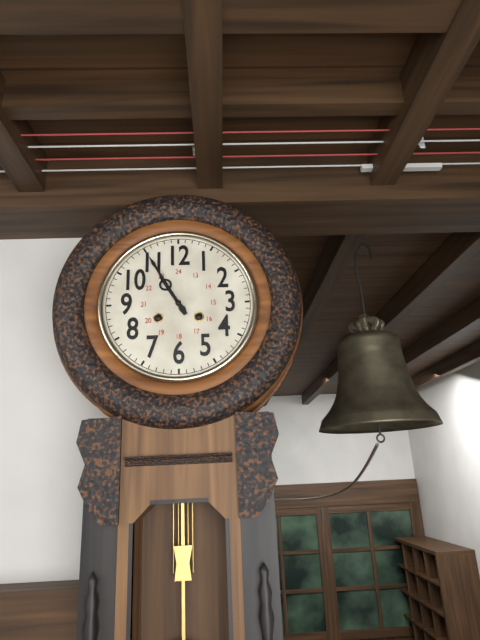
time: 10:55
